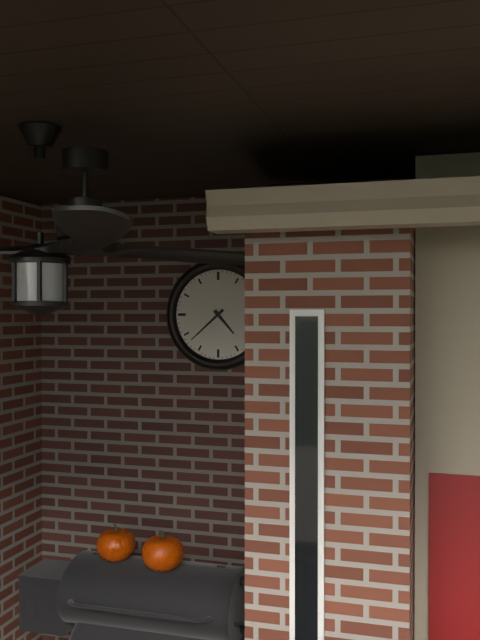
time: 4:38
